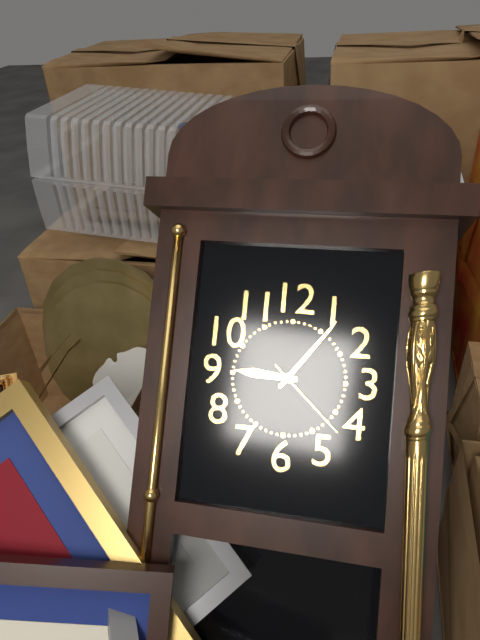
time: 9:06:22
